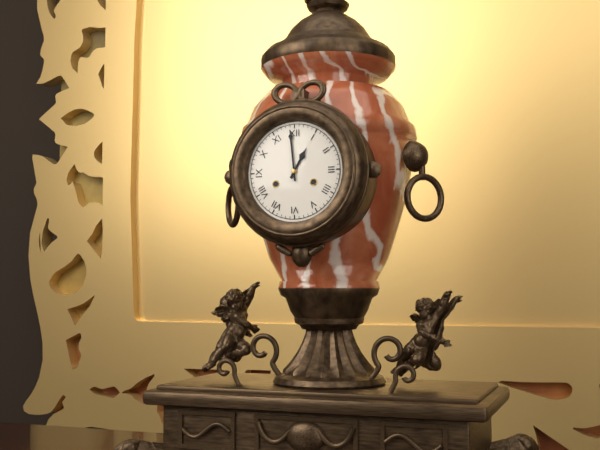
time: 12:59
